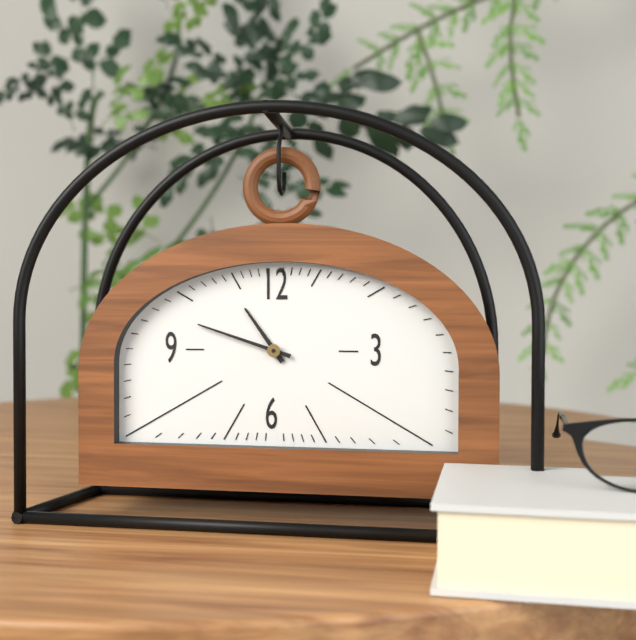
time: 10:48
